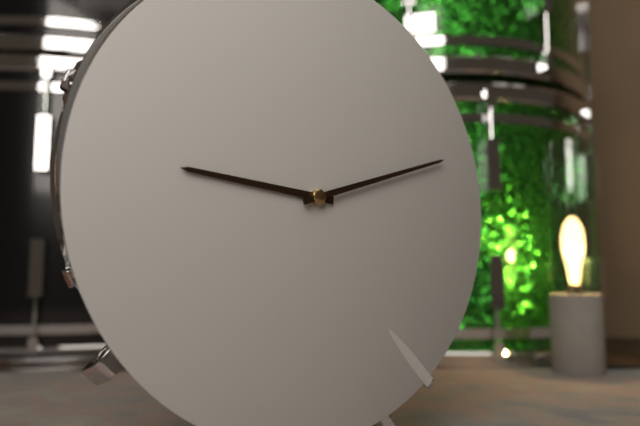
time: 9:12
